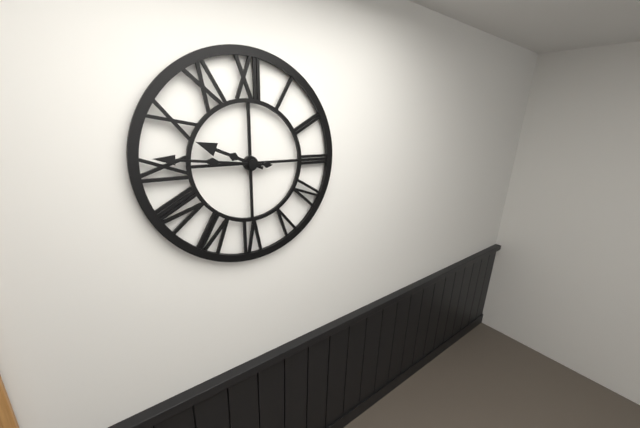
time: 9:46
